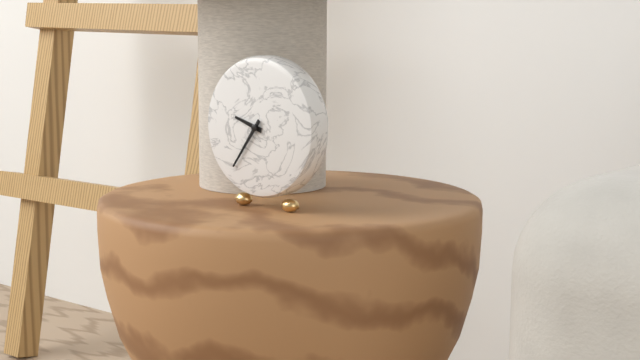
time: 9:36
